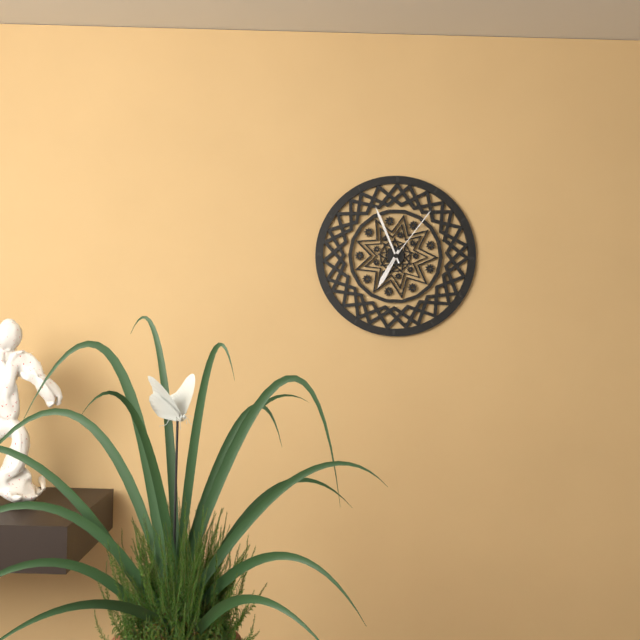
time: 6:56:06
